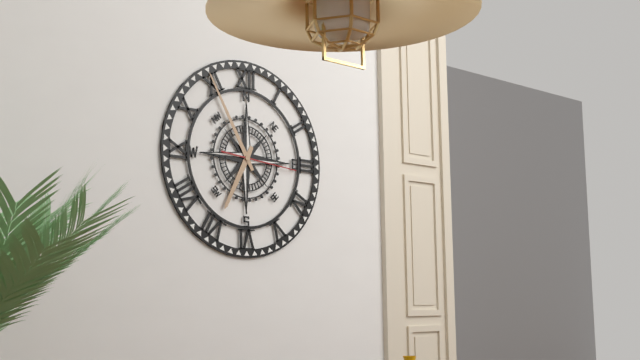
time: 6:55:16
